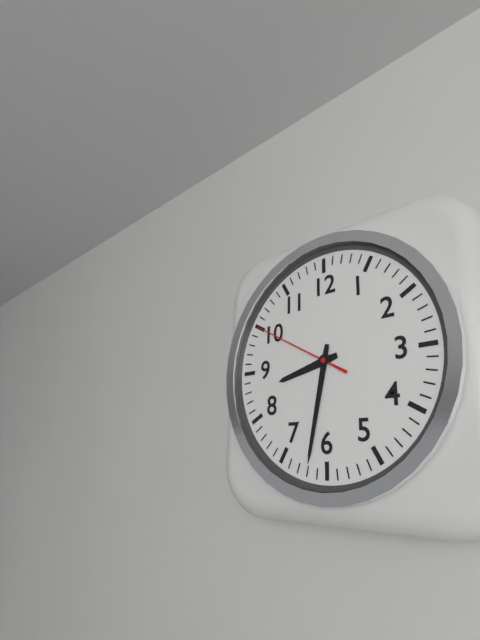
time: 8:32:50
